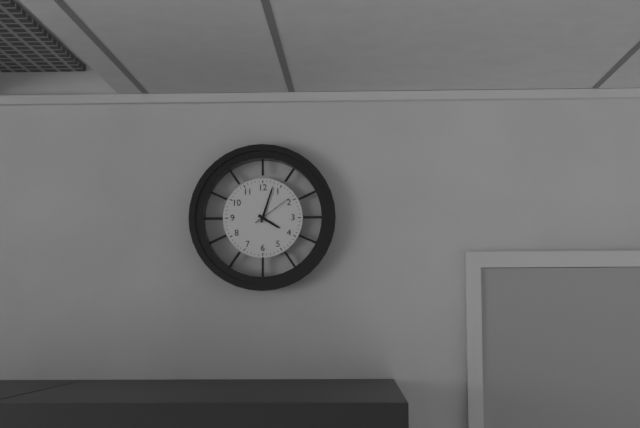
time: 4:03
